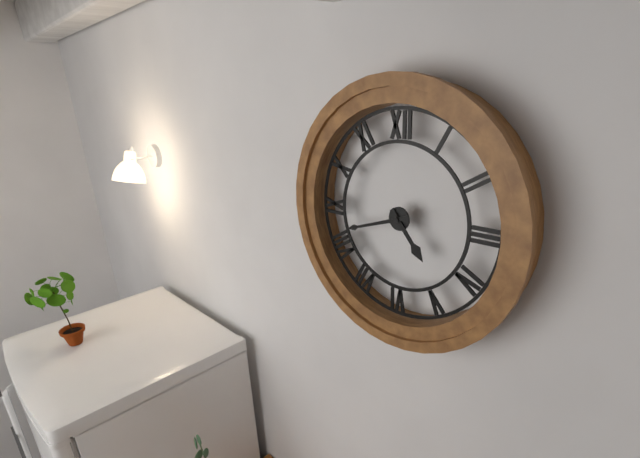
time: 4:42
